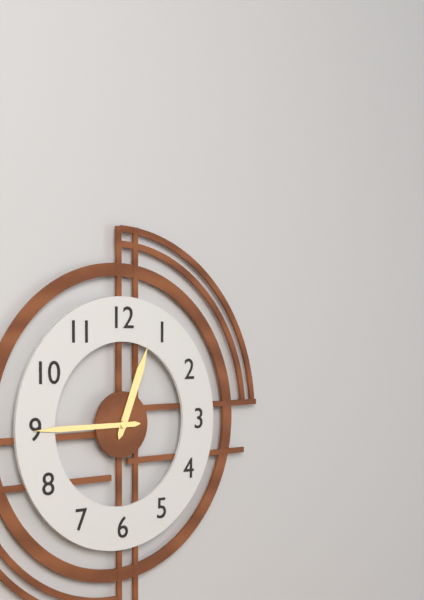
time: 12:45
